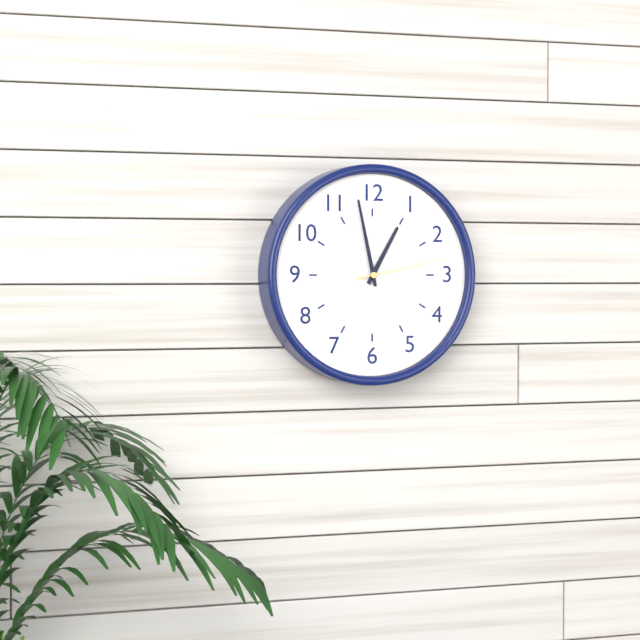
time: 12:58:13
